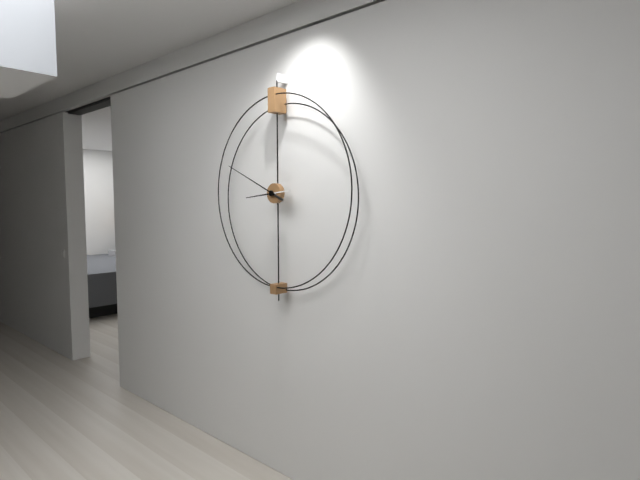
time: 8:49
